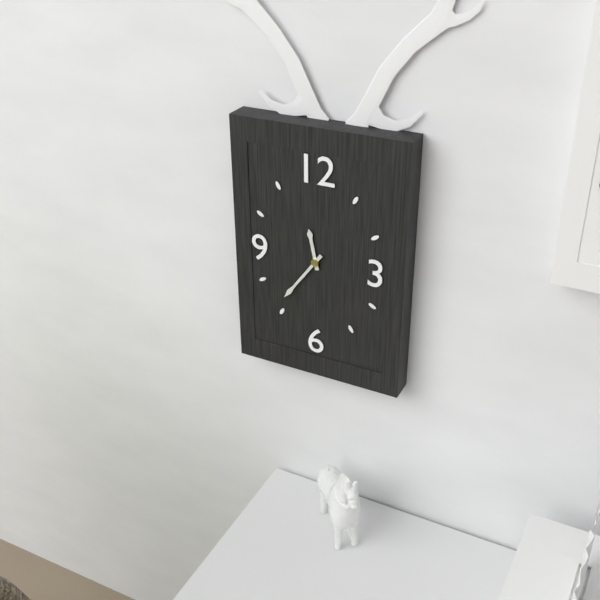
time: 11:36
